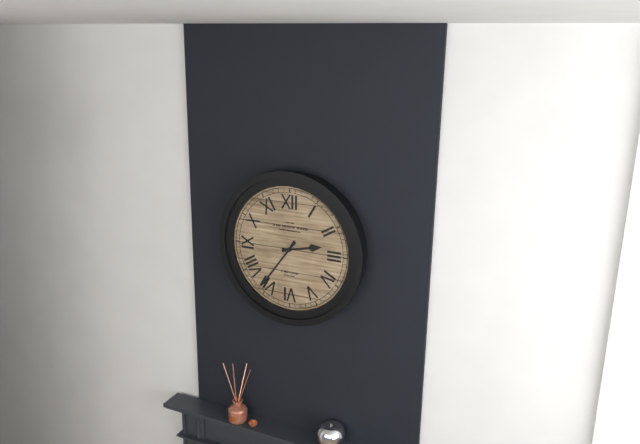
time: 2:36
